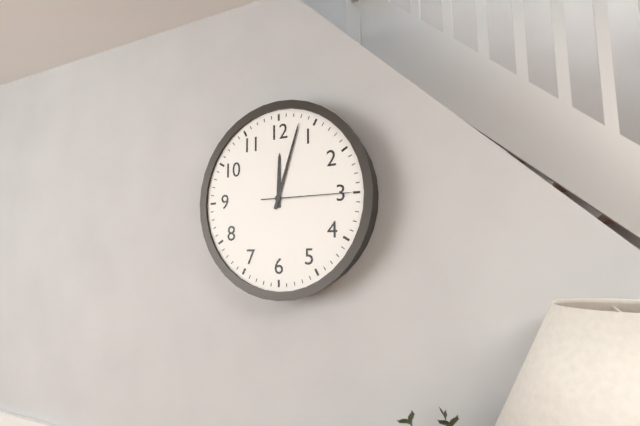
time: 12:03:15
